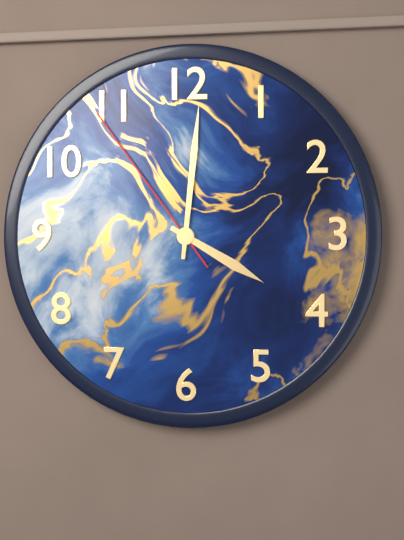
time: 4:01:54
